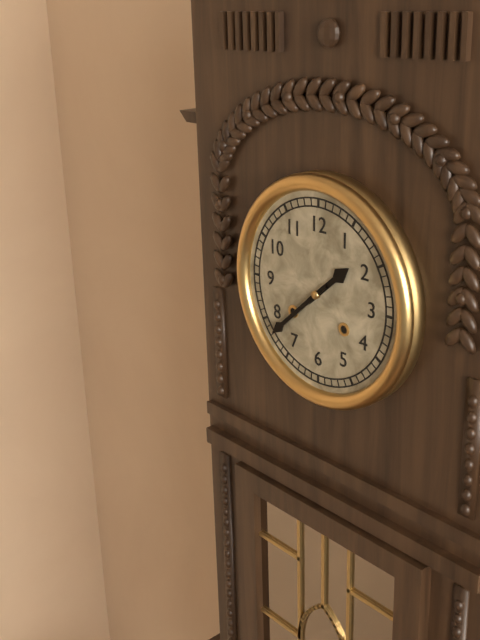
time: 1:38
